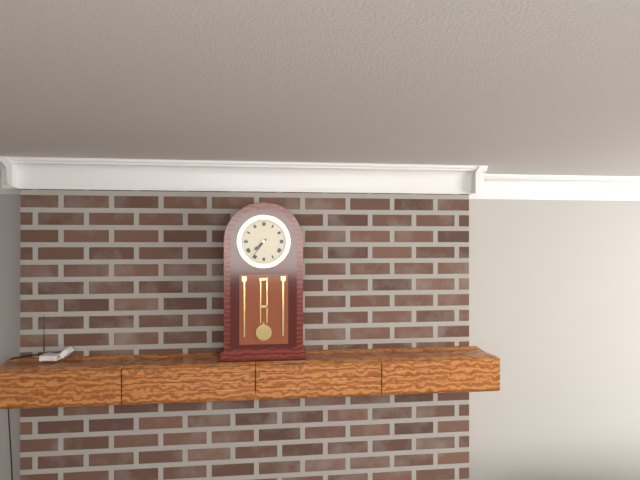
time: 7:36
